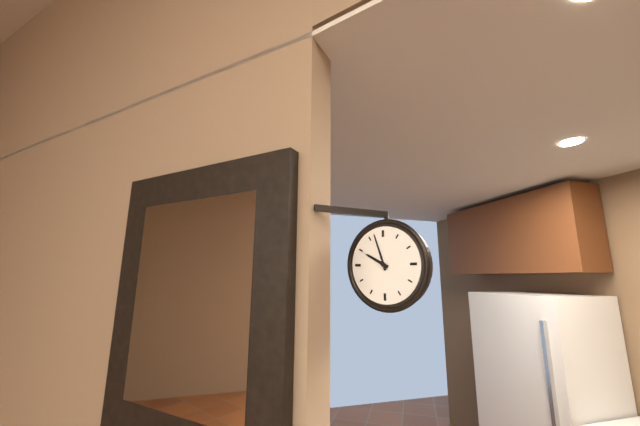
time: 9:57
